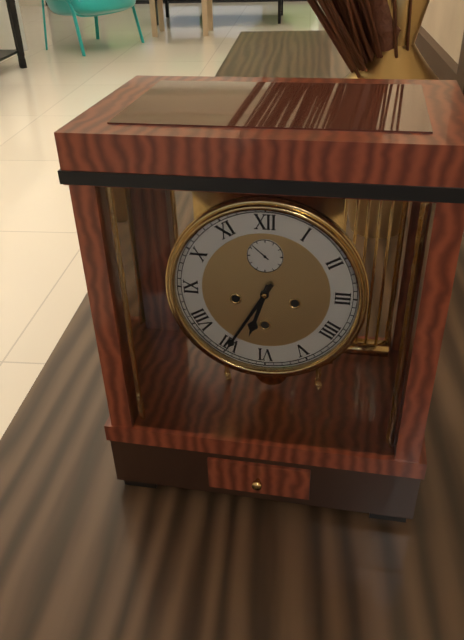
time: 6:35
